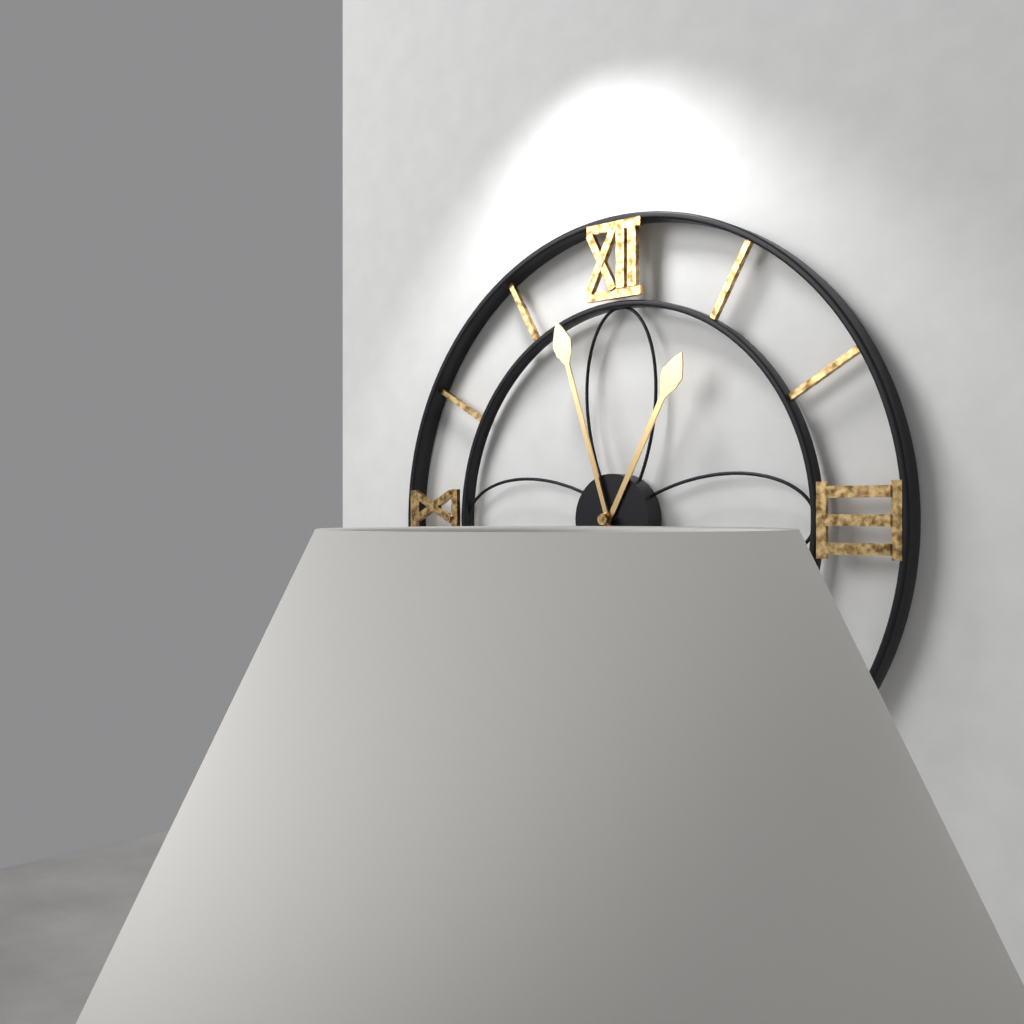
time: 12:57
